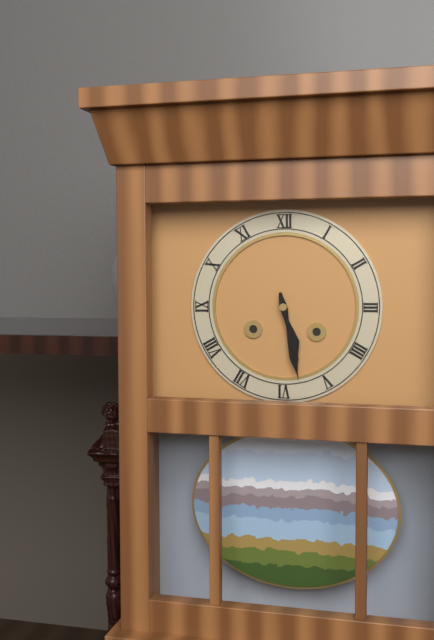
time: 5:28
